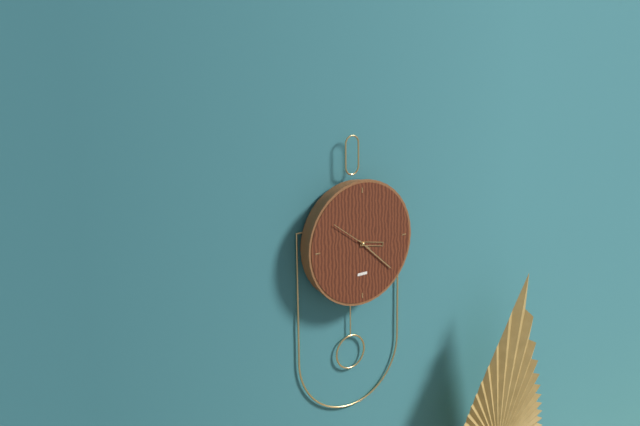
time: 3:22
